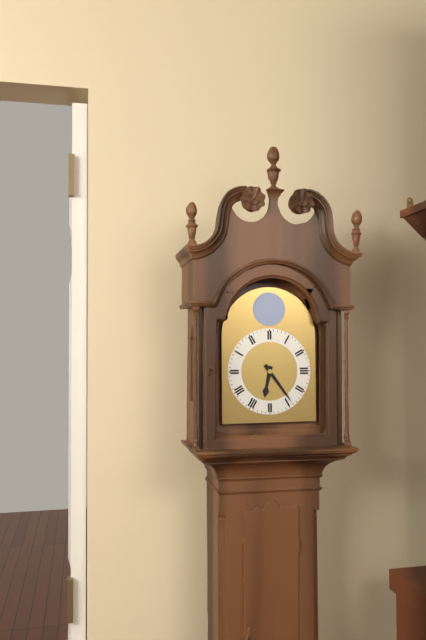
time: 6:24
